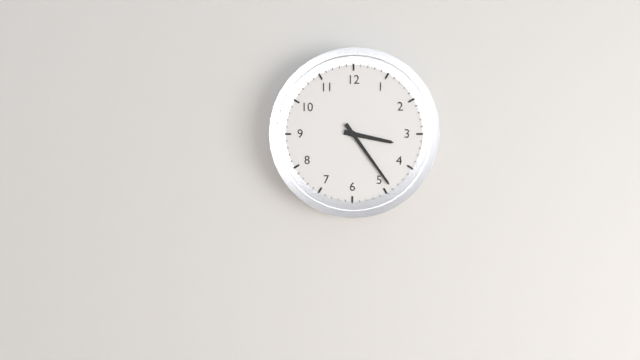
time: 3:24
